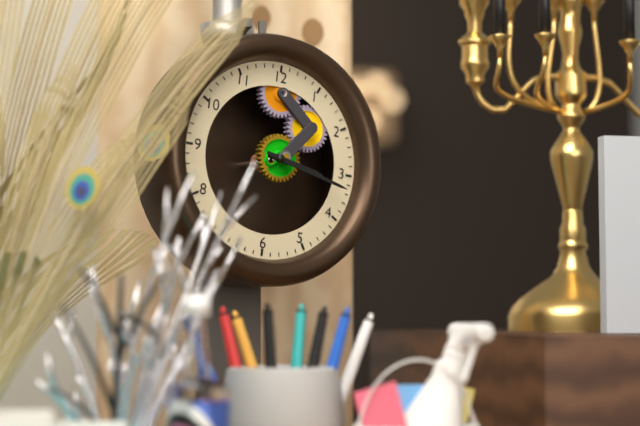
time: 3:17
